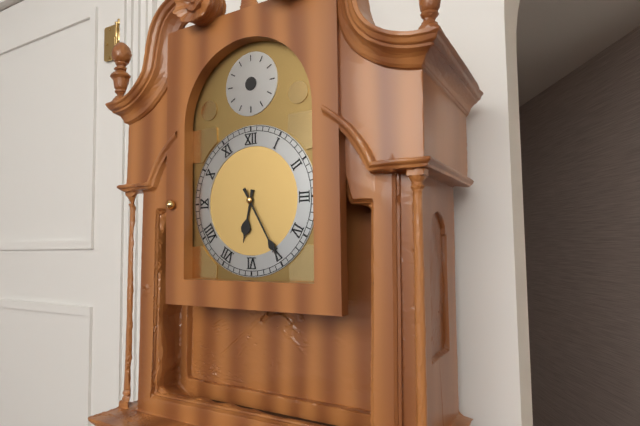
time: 6:25
